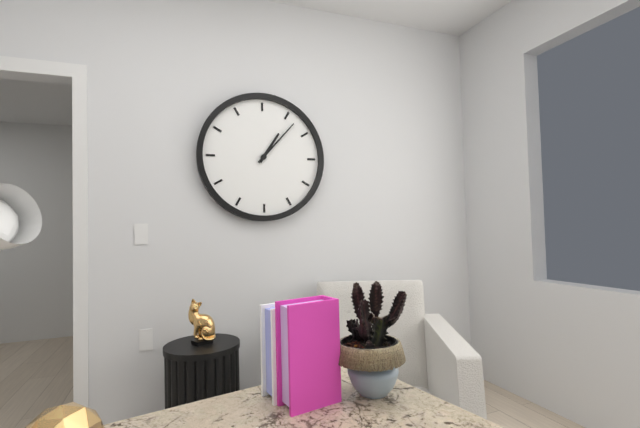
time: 1:07
